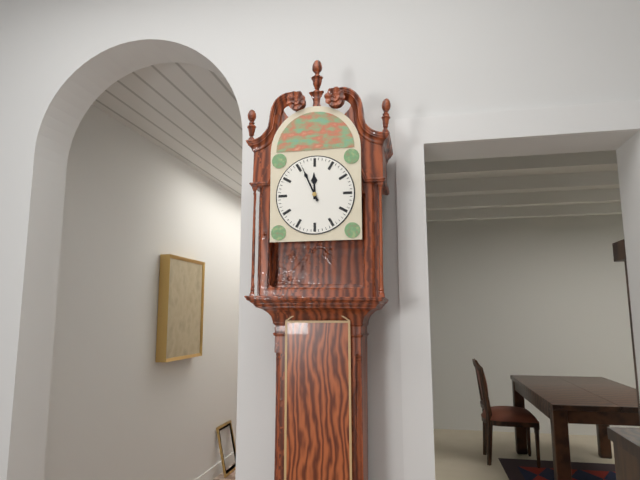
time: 11:56
